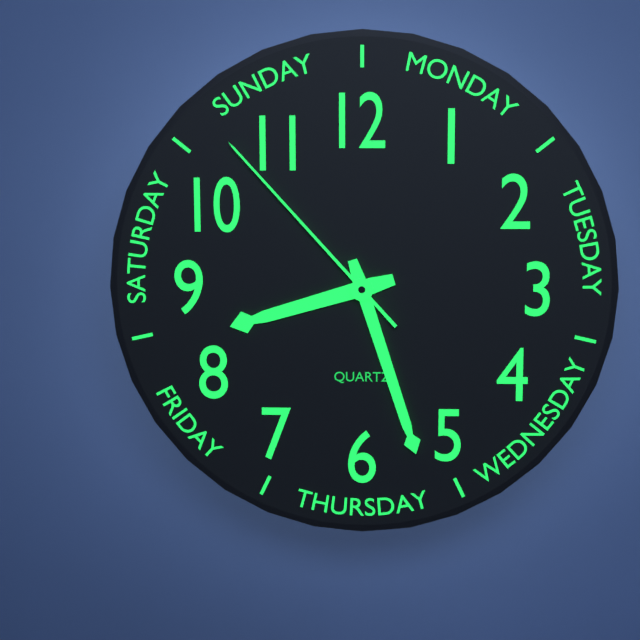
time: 8:27:53
